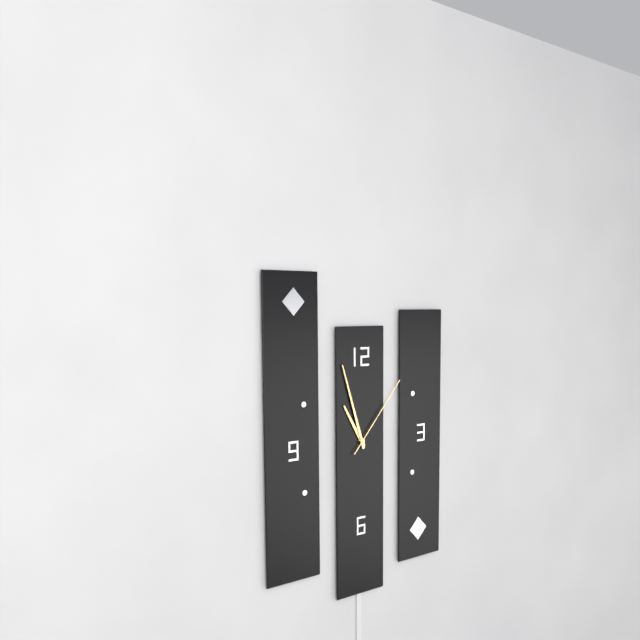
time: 10:57:07
